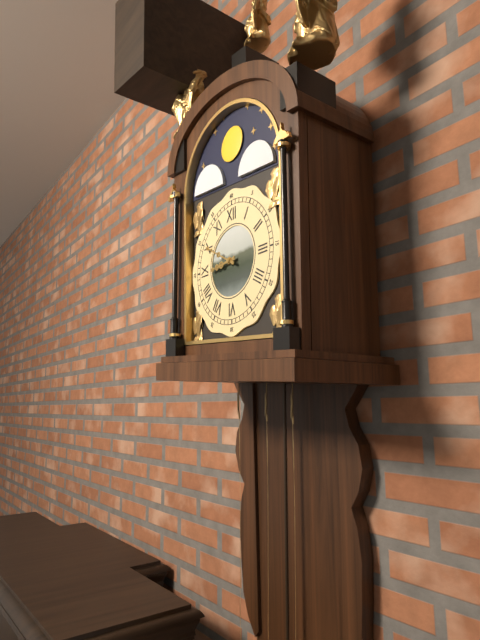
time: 8:50
